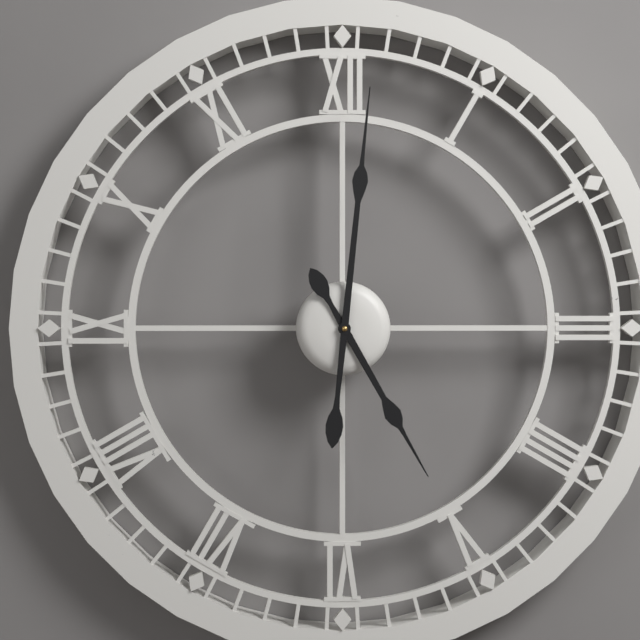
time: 5:01
